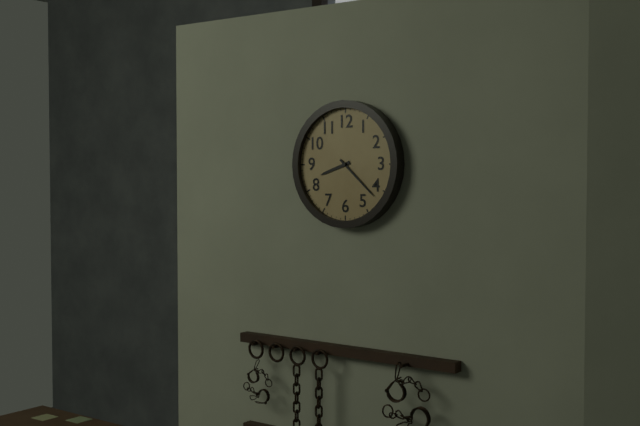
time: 8:22
